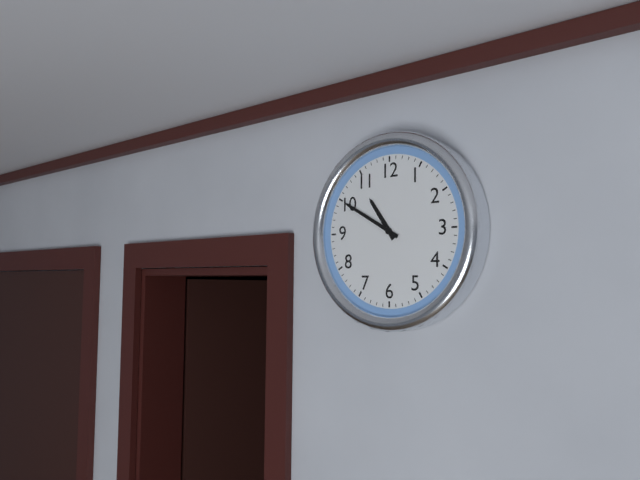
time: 10:50
